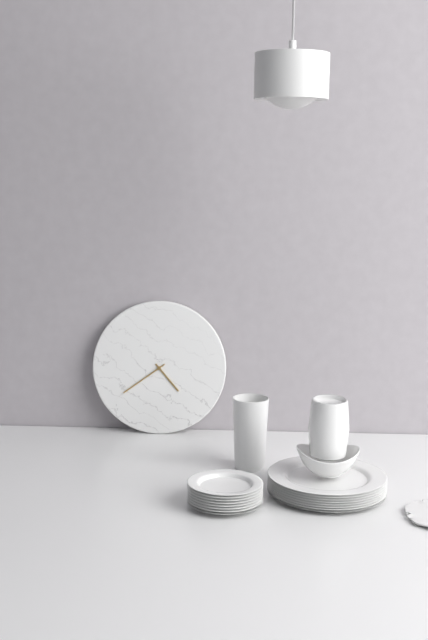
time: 4:39
